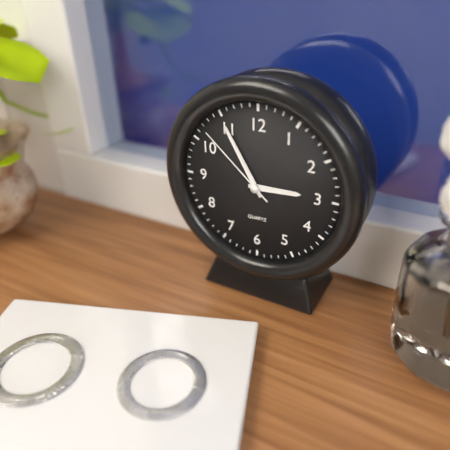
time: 2:55:52
